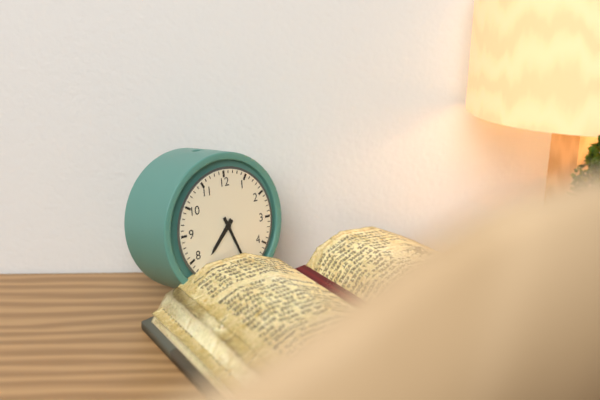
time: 7:26
